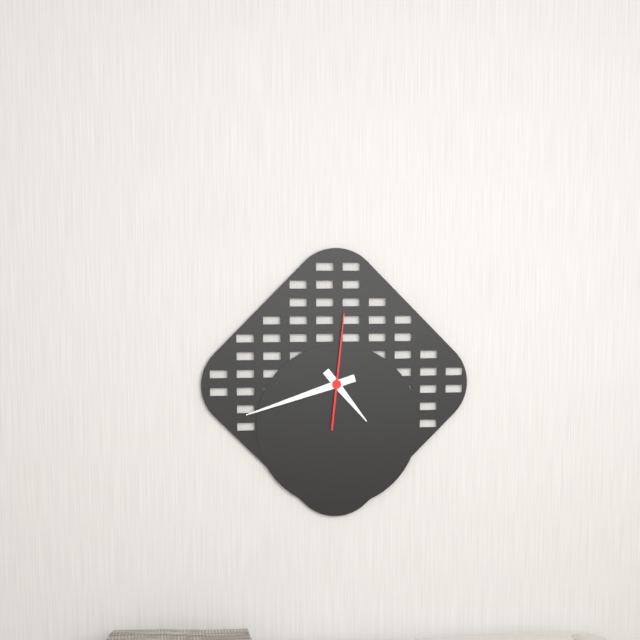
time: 4:42:01
